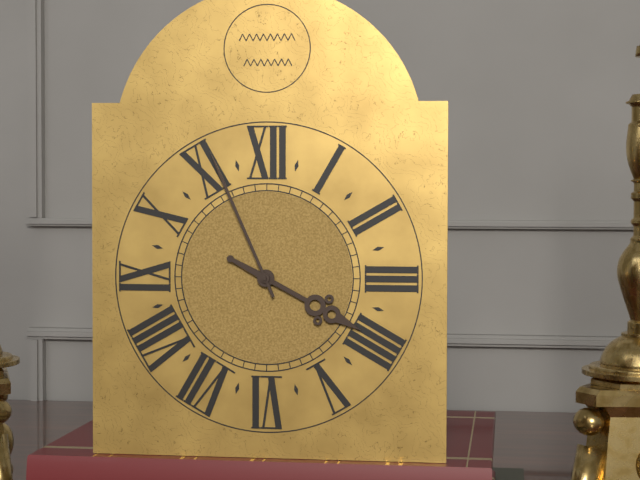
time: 3:56
